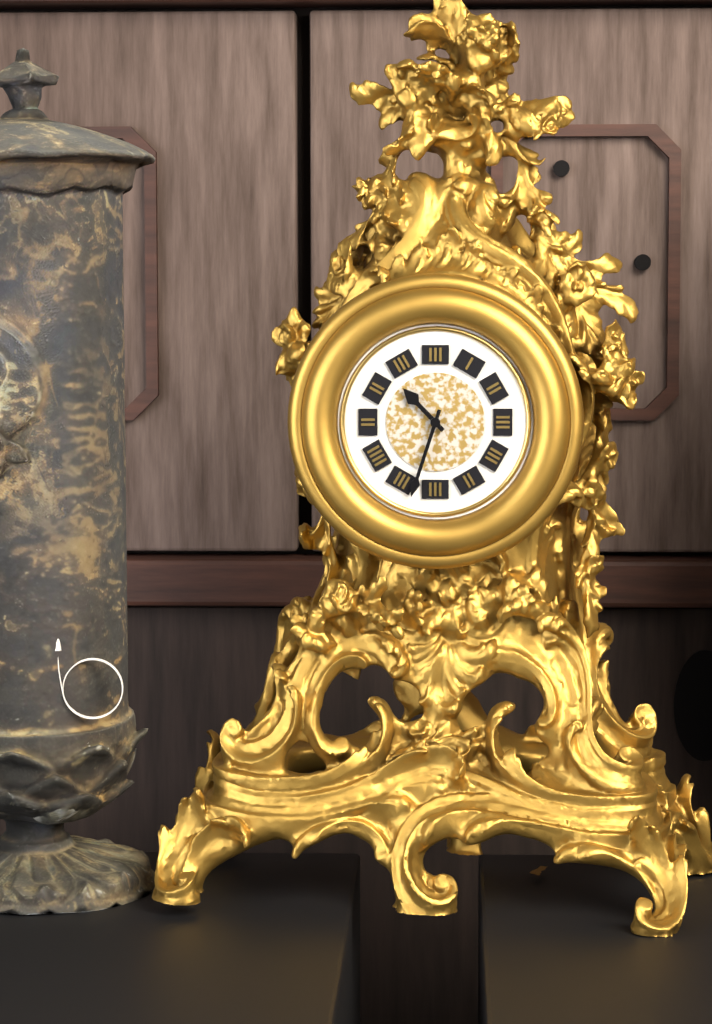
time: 10:33
